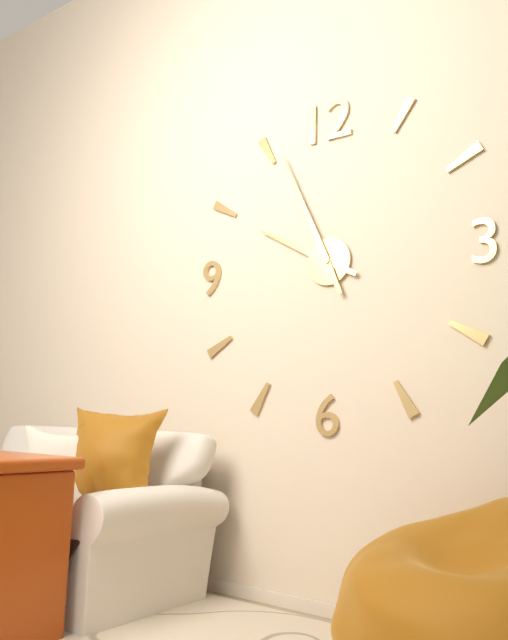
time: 9:56
